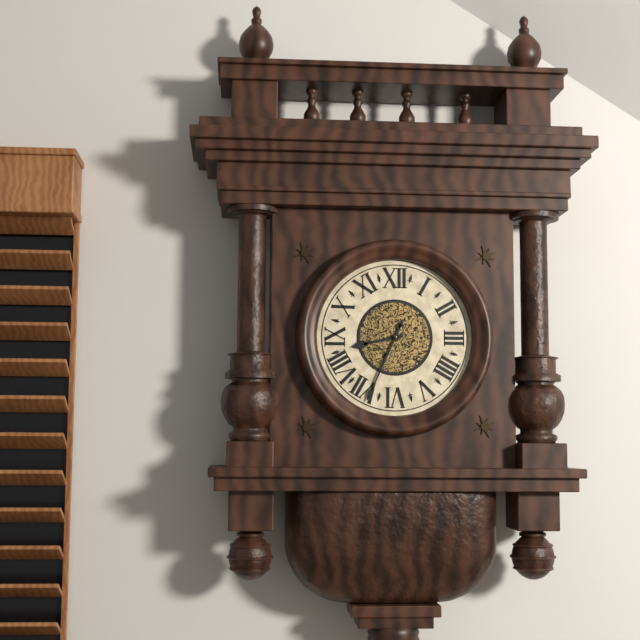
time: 8:34
